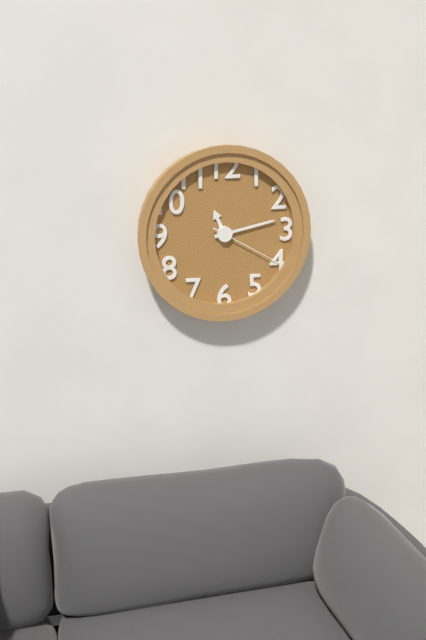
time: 11:13:20
